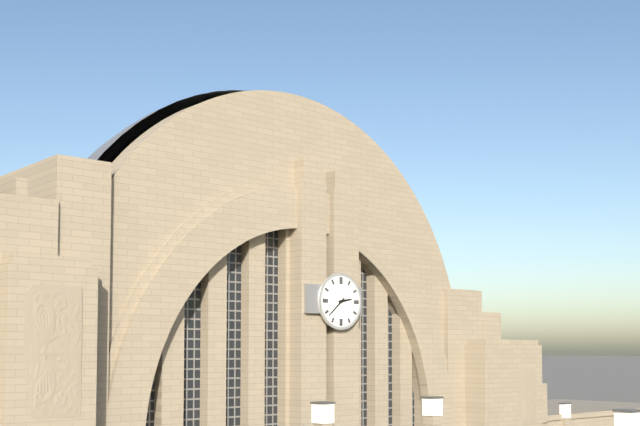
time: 2:38
